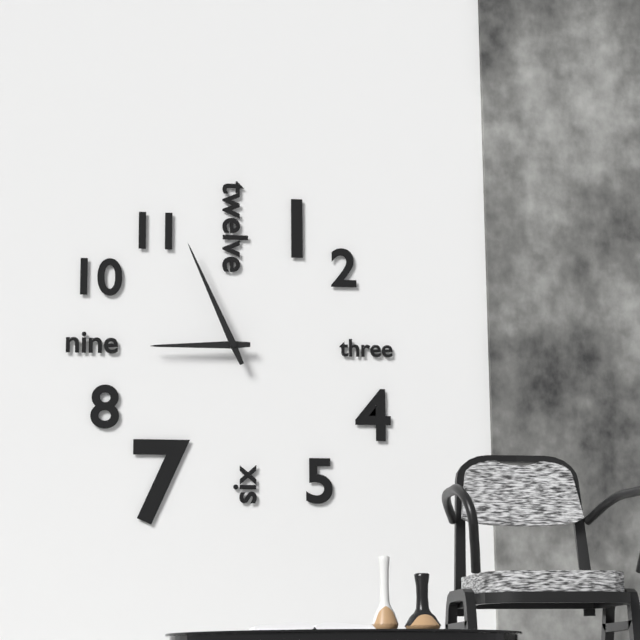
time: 8:56
